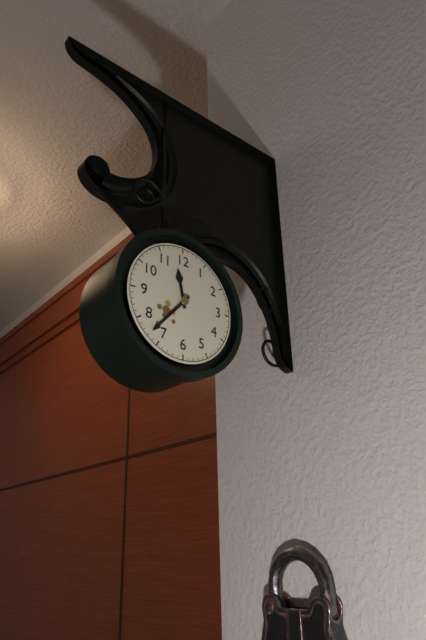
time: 11:37
